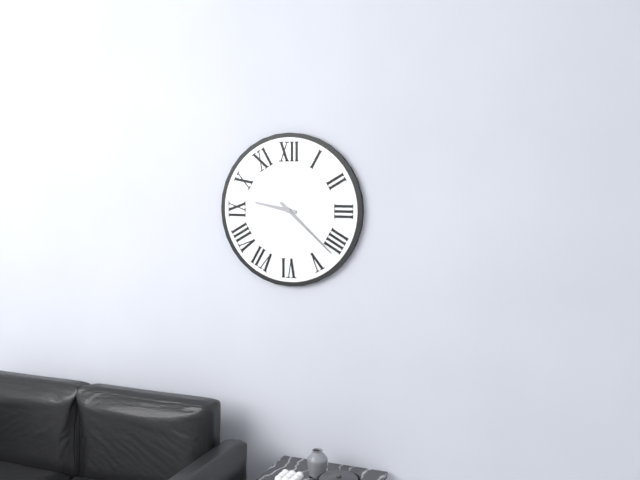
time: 9:22
